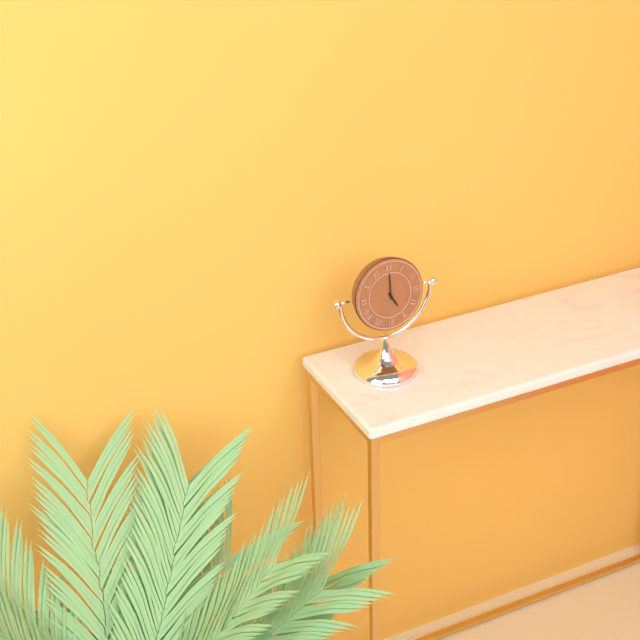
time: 5:00
